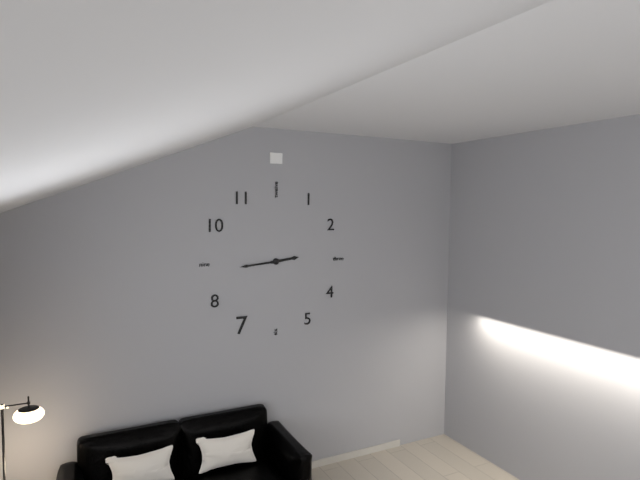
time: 2:44
